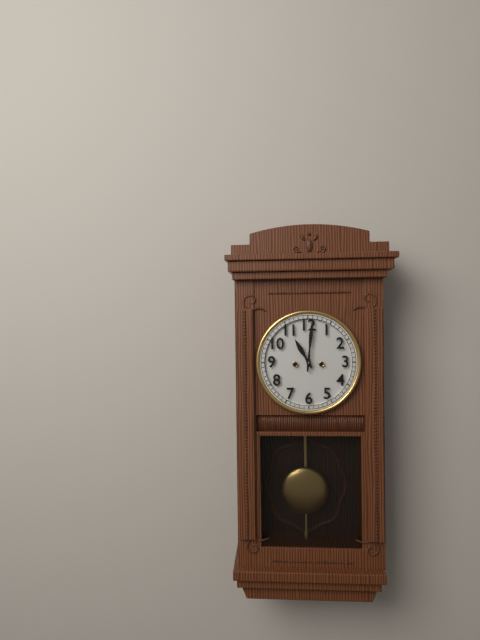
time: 11:01
